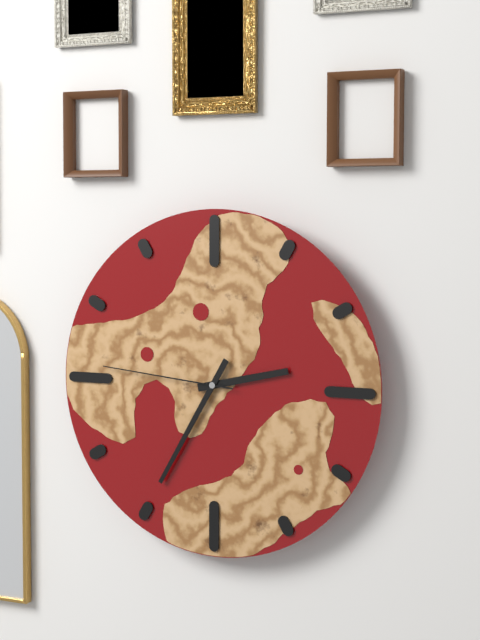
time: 2:35:46
